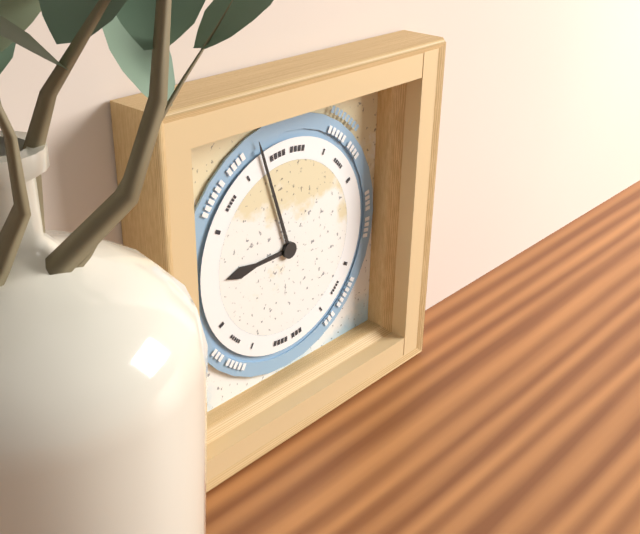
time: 8:57
